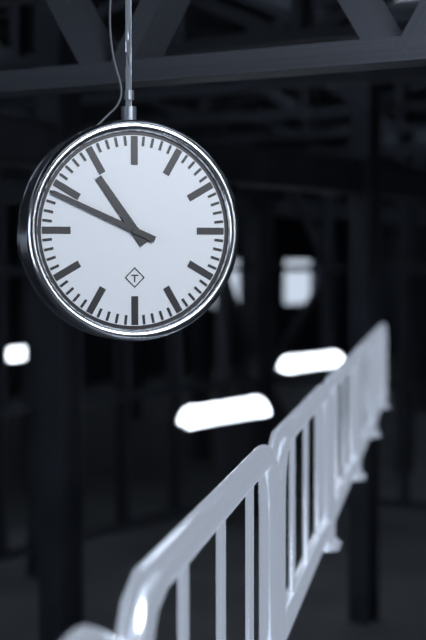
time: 10:49
